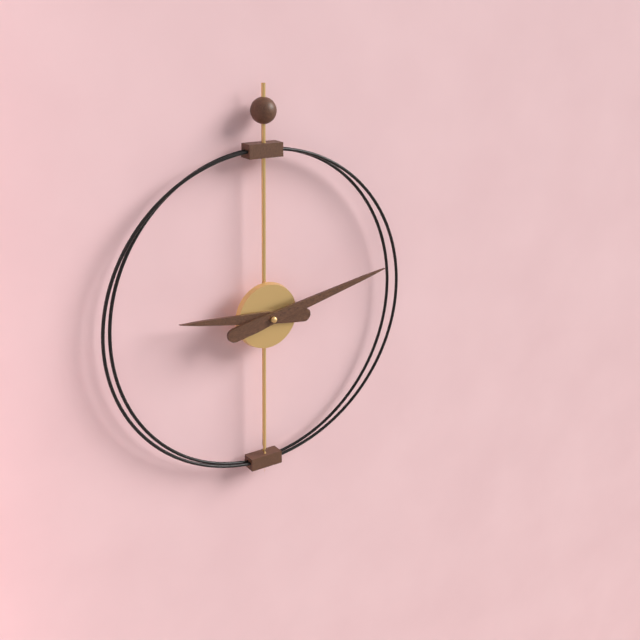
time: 9:13
